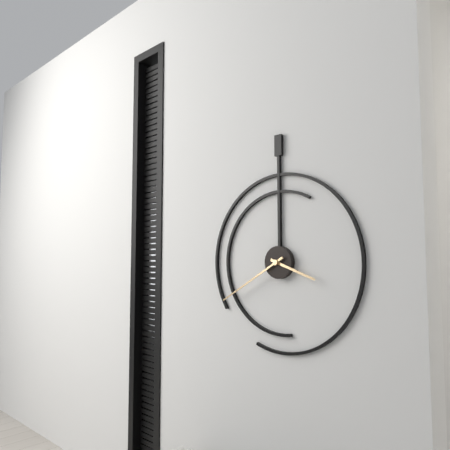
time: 3:40
